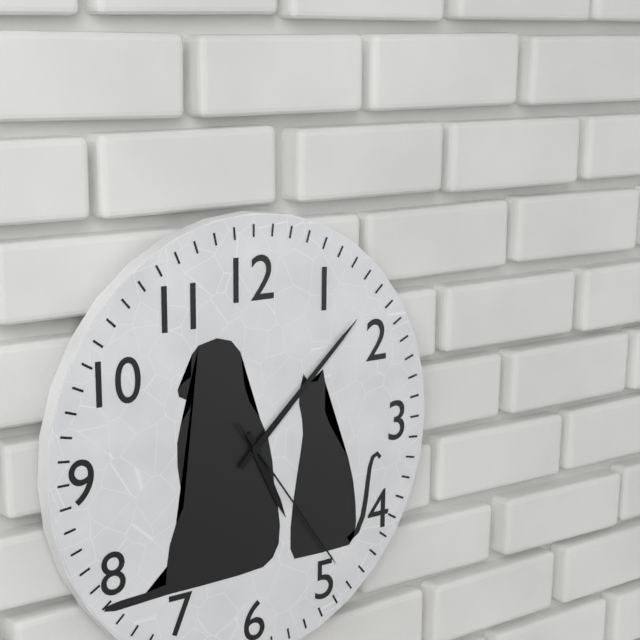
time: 5:08:24
